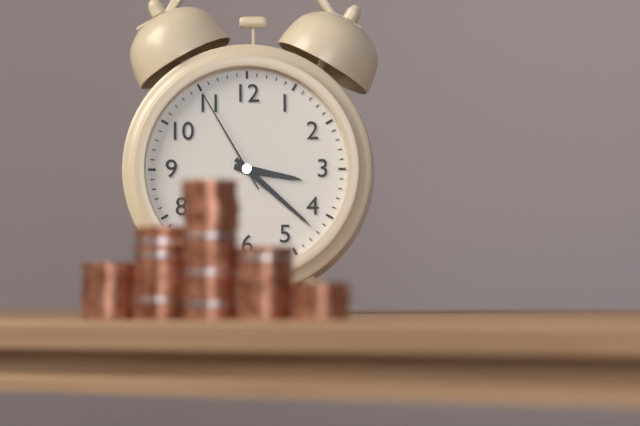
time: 3:22:55
